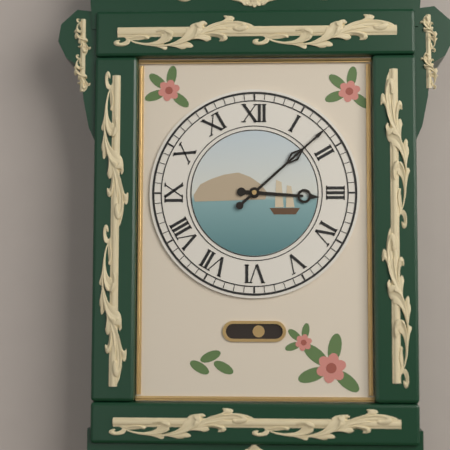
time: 3:08
